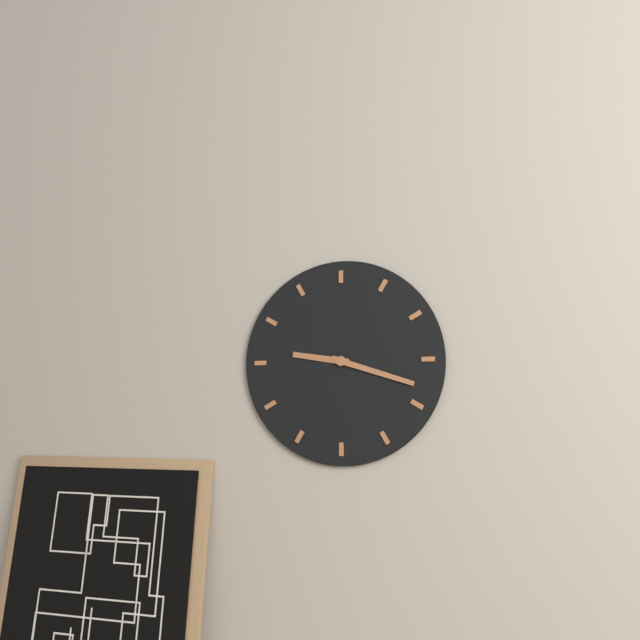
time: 9:18
